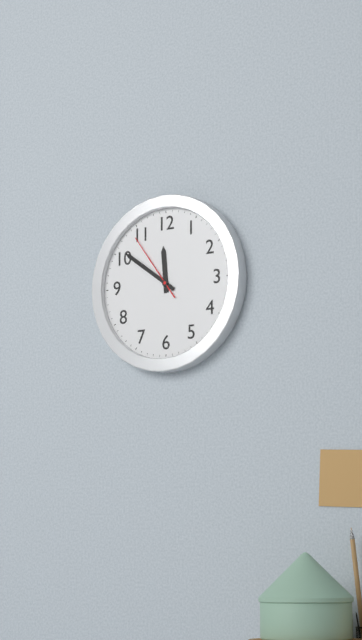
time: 11:51:54
